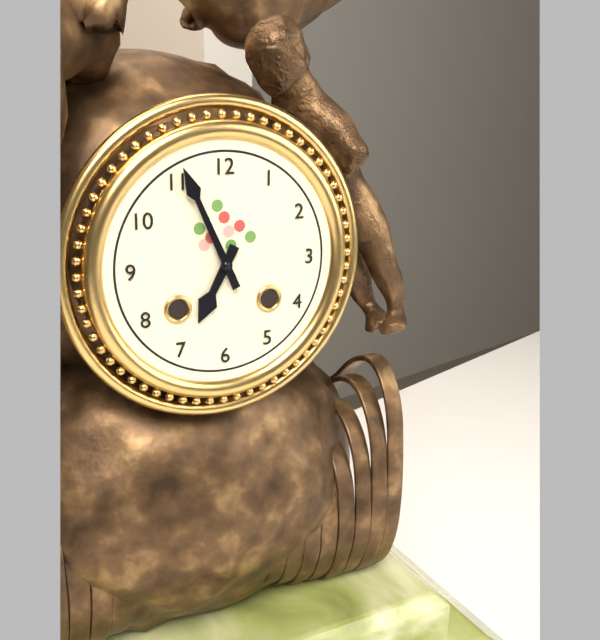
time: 6:56
